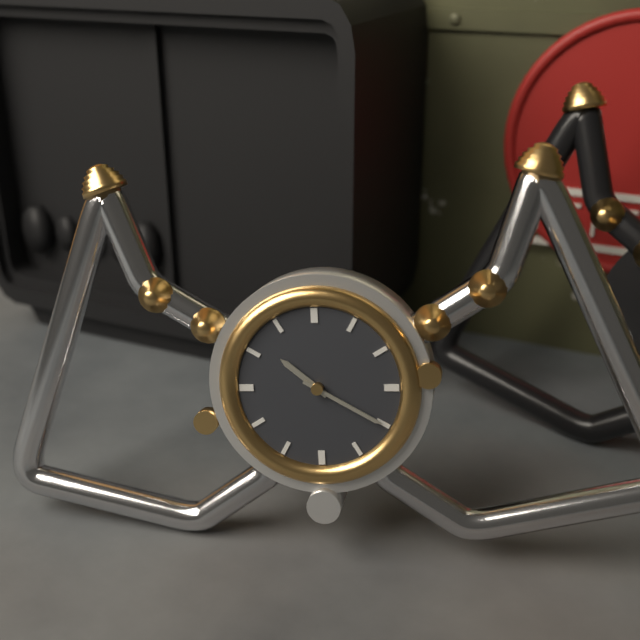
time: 10:20
